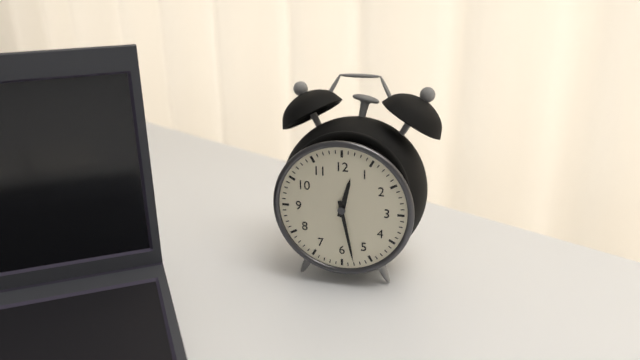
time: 12:28
